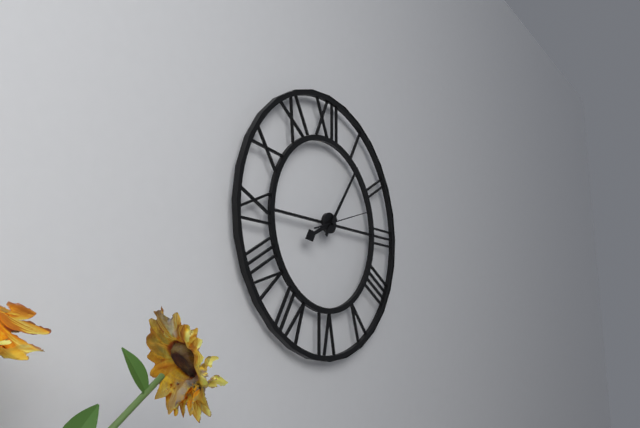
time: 8:06:12
